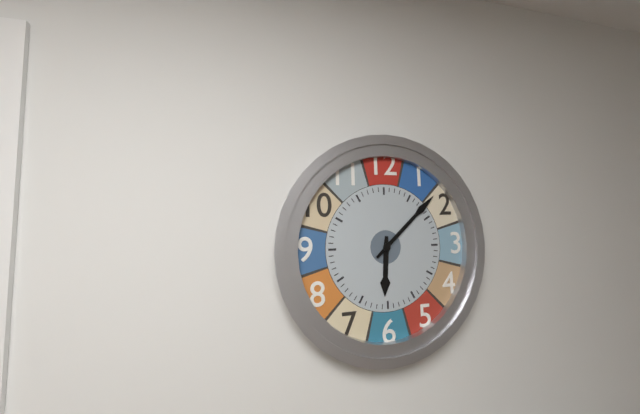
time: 6:08
